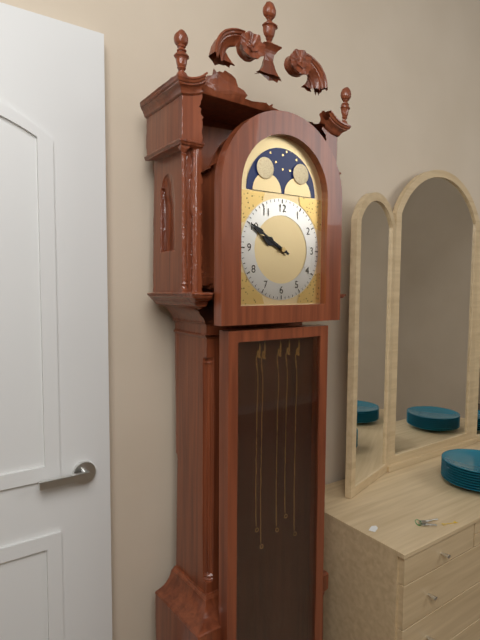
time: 9:50
